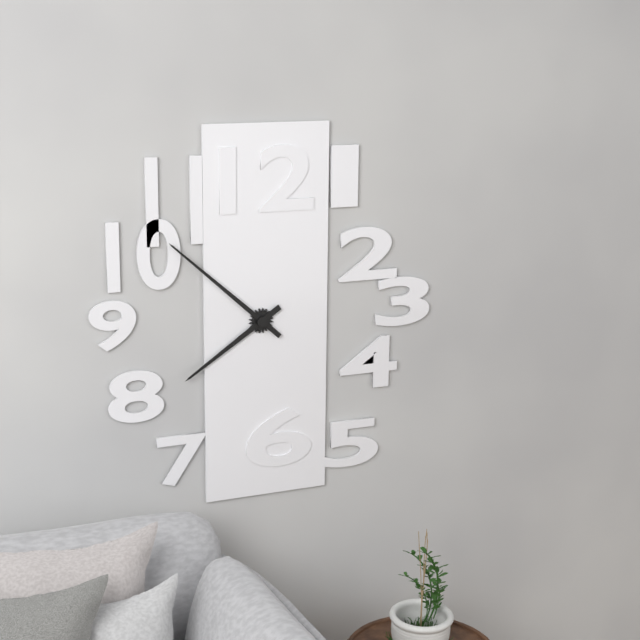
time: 7:52
